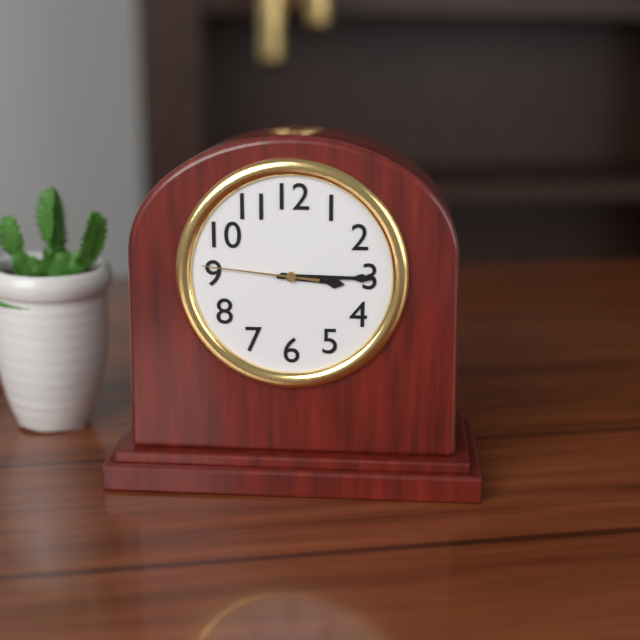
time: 3:15:46
